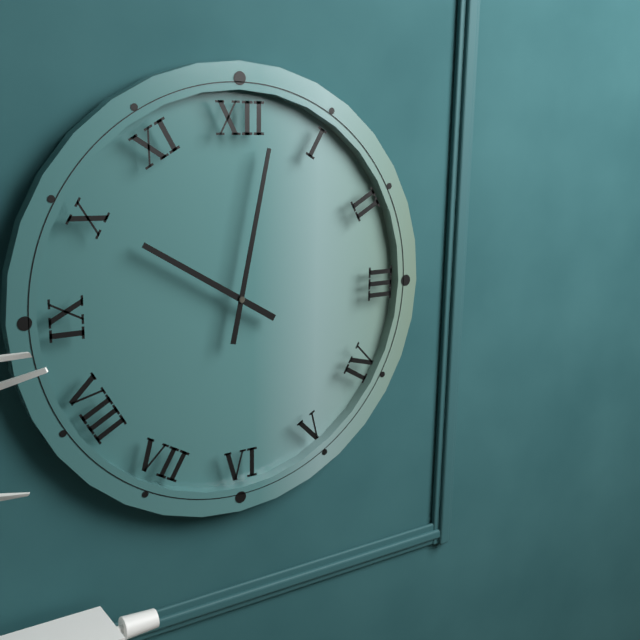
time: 10:02
